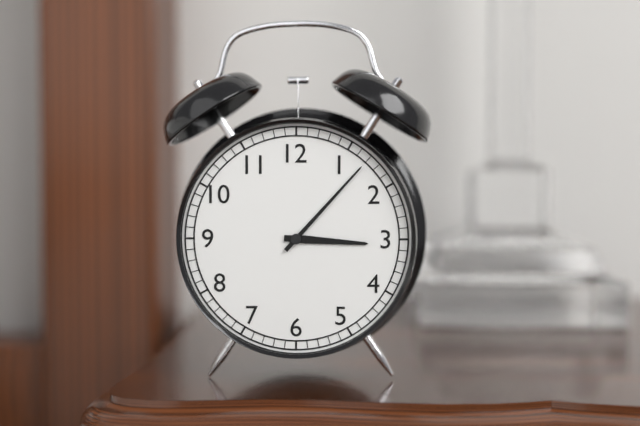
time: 3:07
